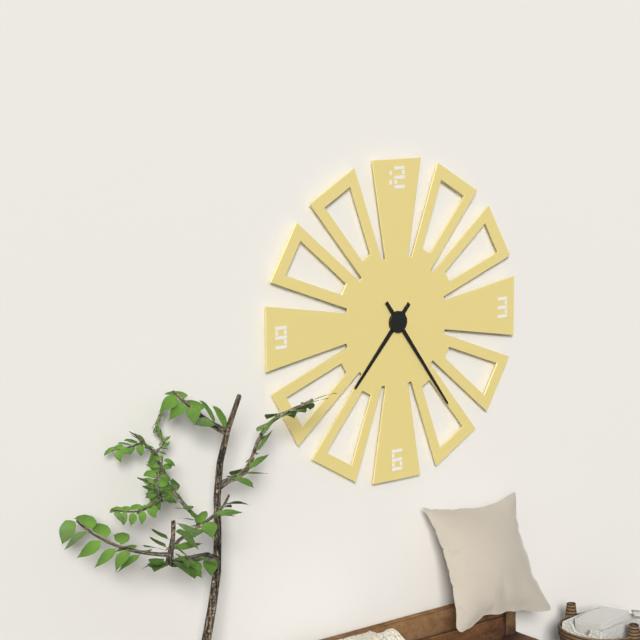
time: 7:24
